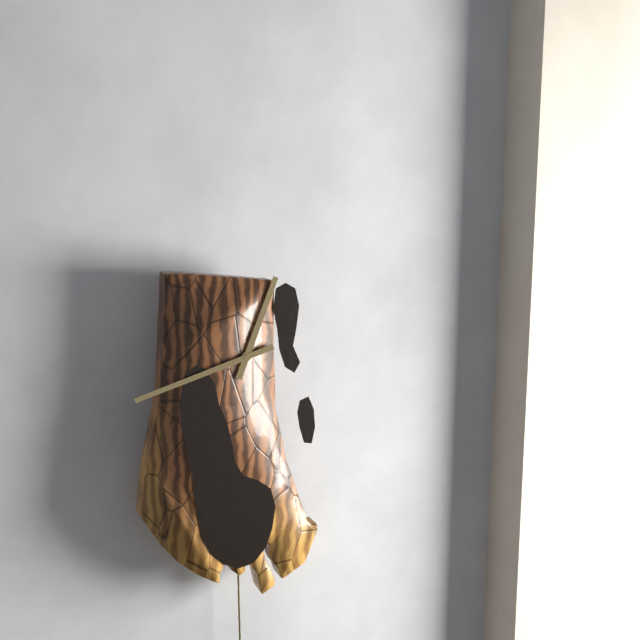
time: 12:42
